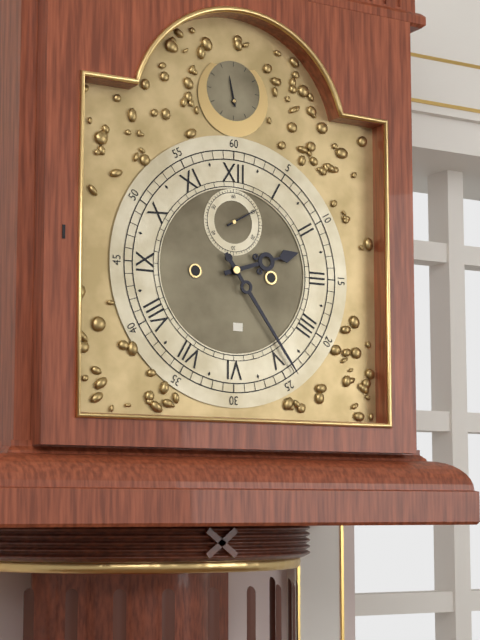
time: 2:24
